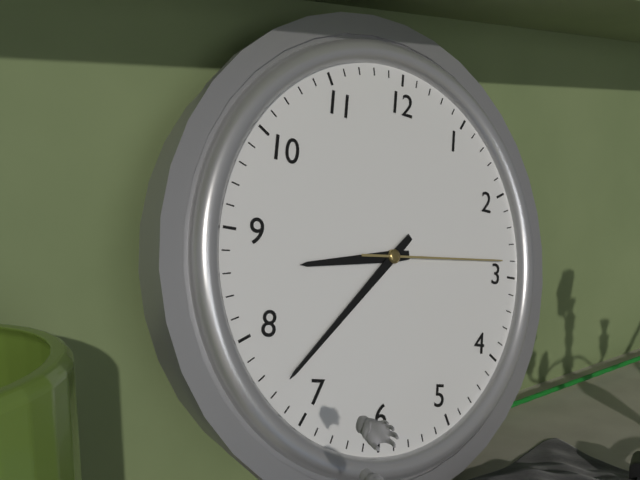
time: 8:37:14
